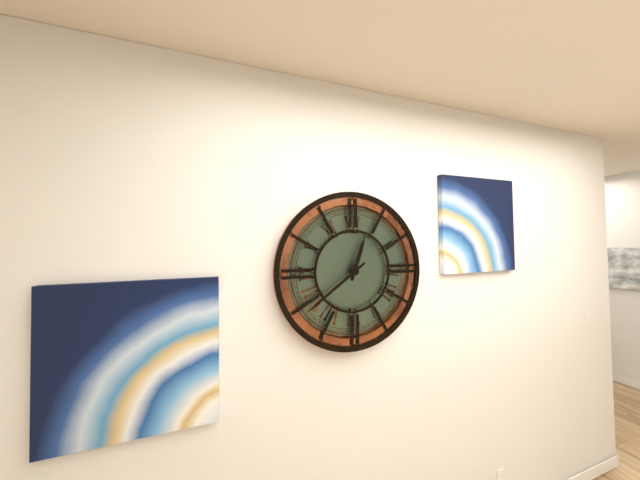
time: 12:39
